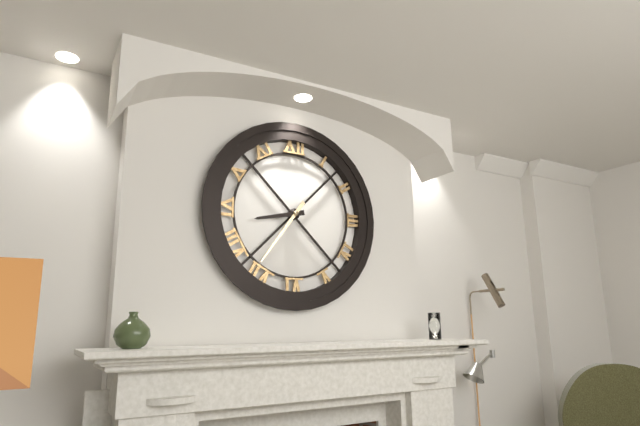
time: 8:36
